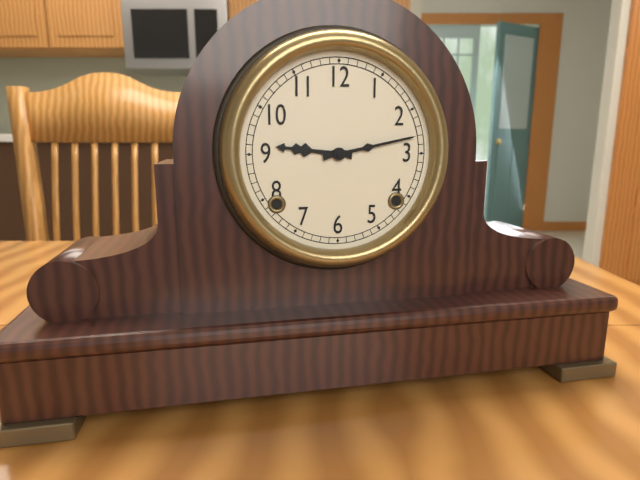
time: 9:13
